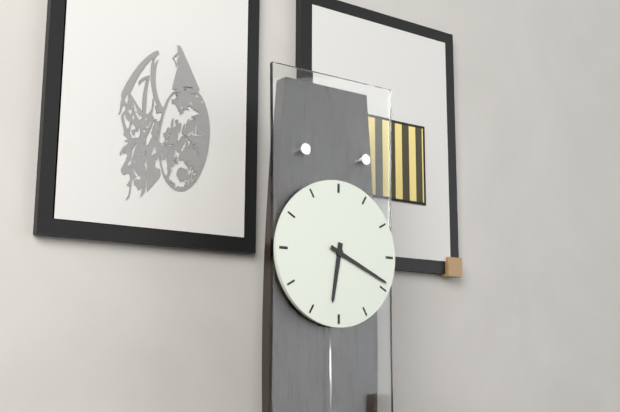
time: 6:19
